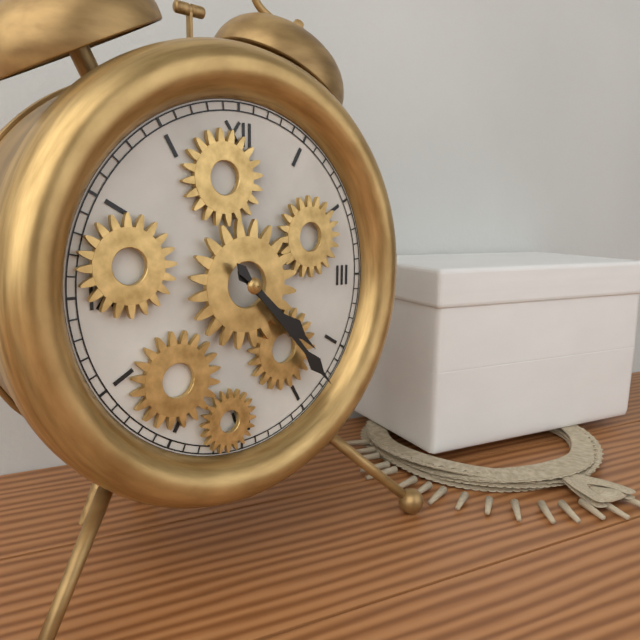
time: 4:23
